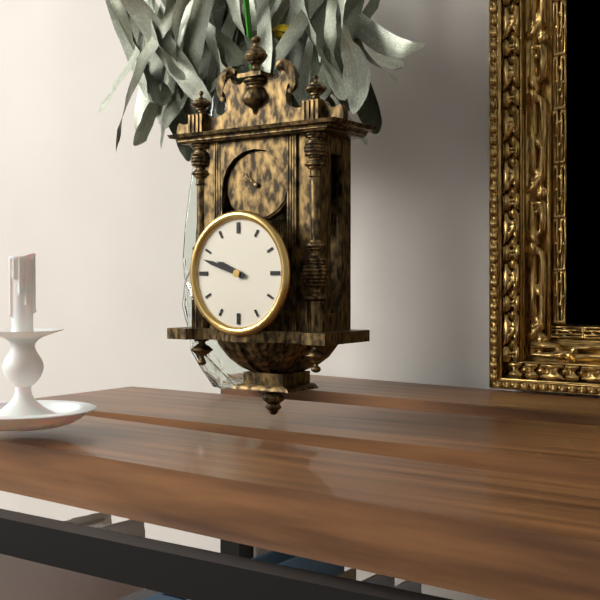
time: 9:48
